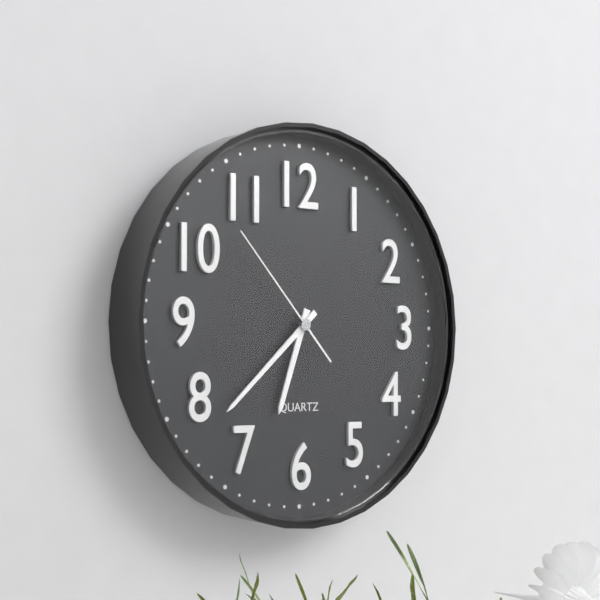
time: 6:38:53
